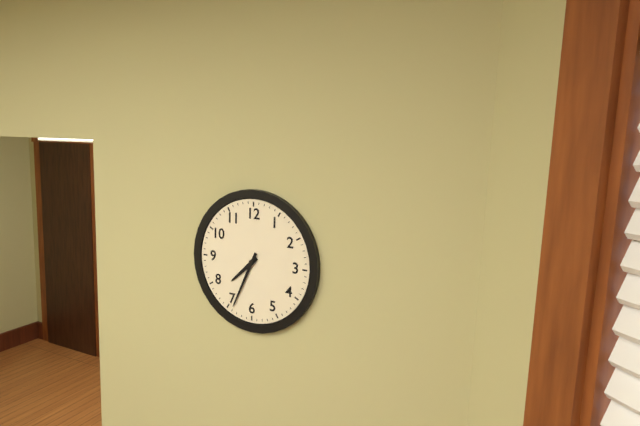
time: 7:34
